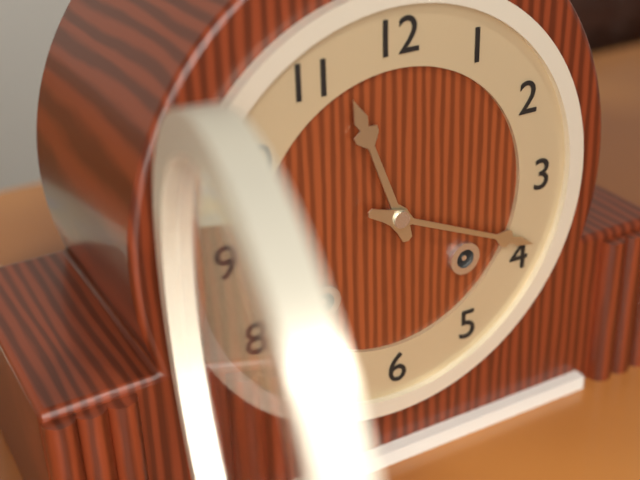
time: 11:19
